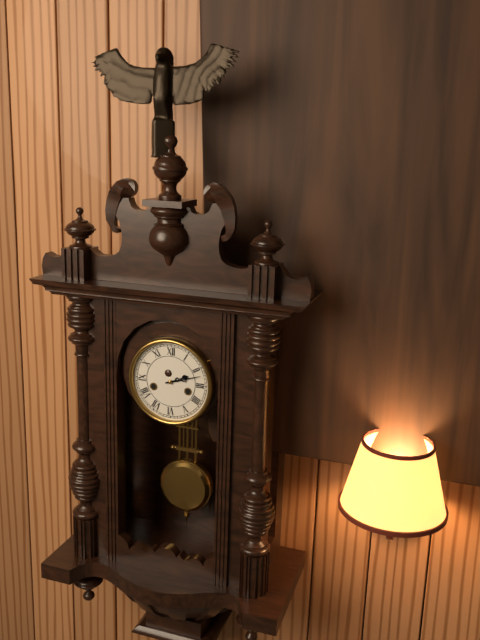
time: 2:12
